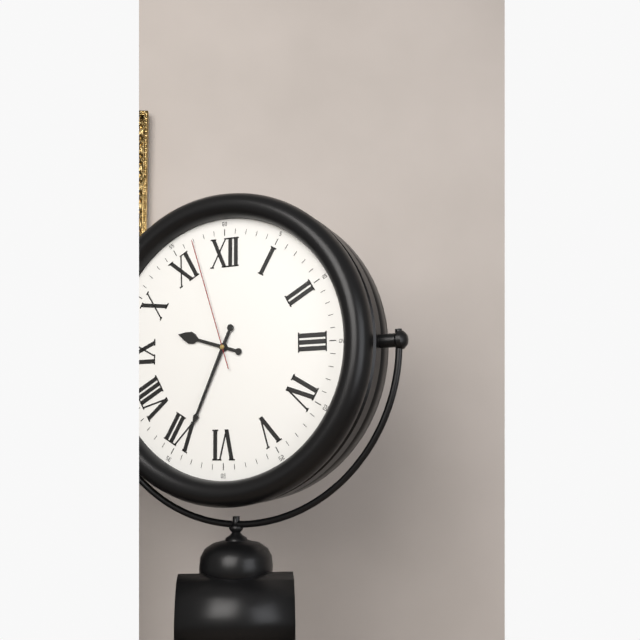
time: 9:34:57
